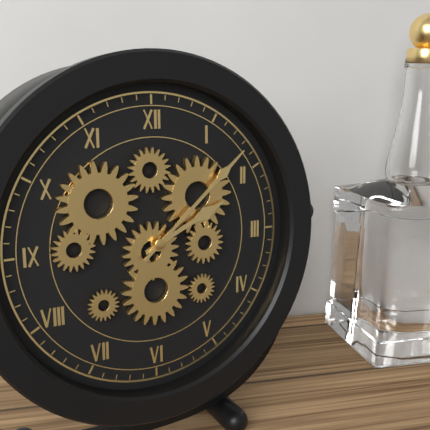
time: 2:08
